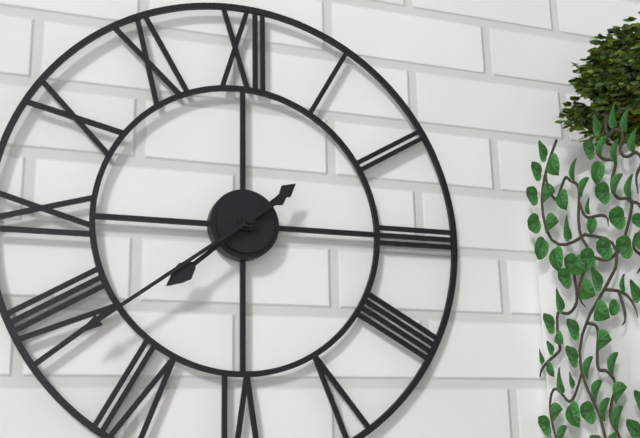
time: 7:39
